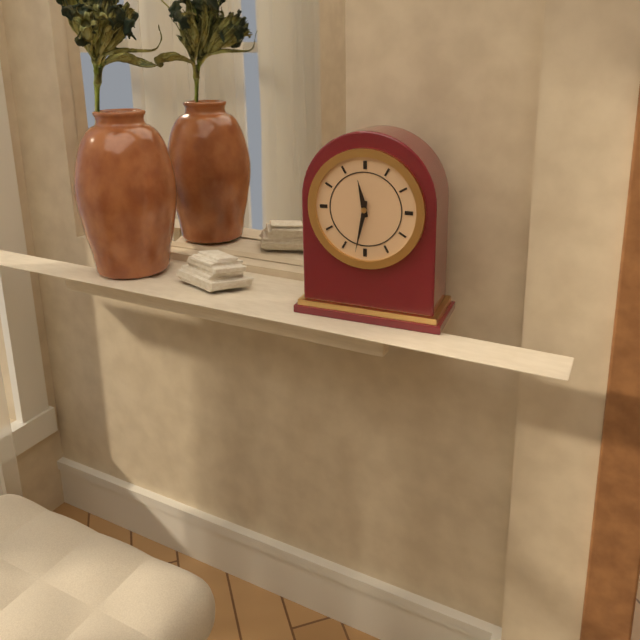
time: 11:32
